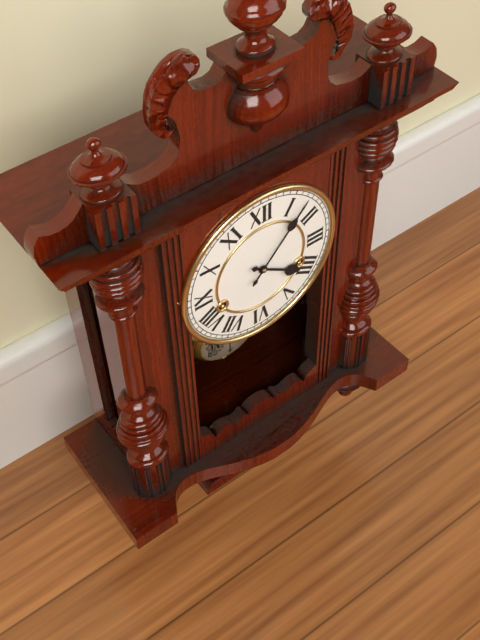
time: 4:07
